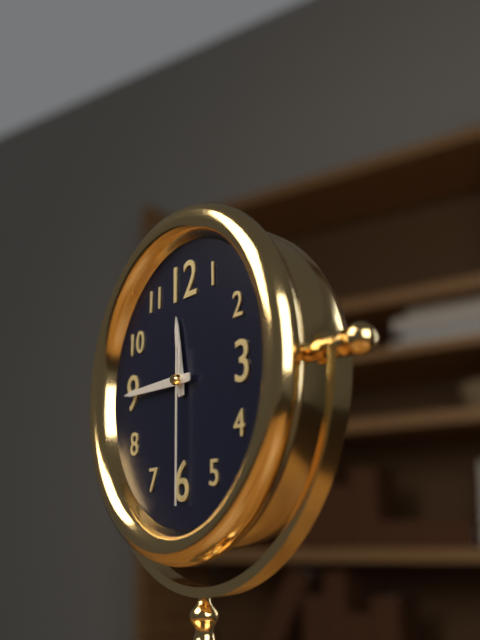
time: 11:45:30
